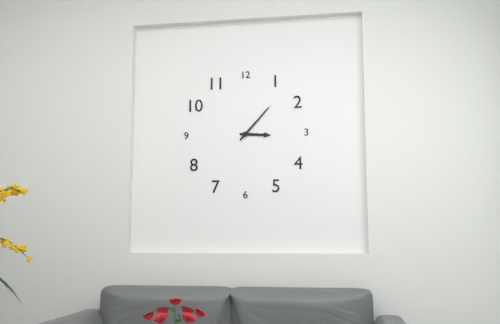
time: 3:07
